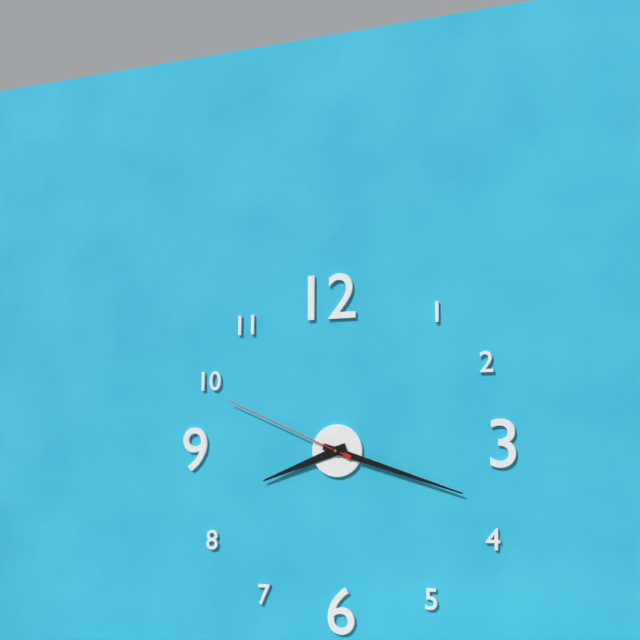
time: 8:18:49
